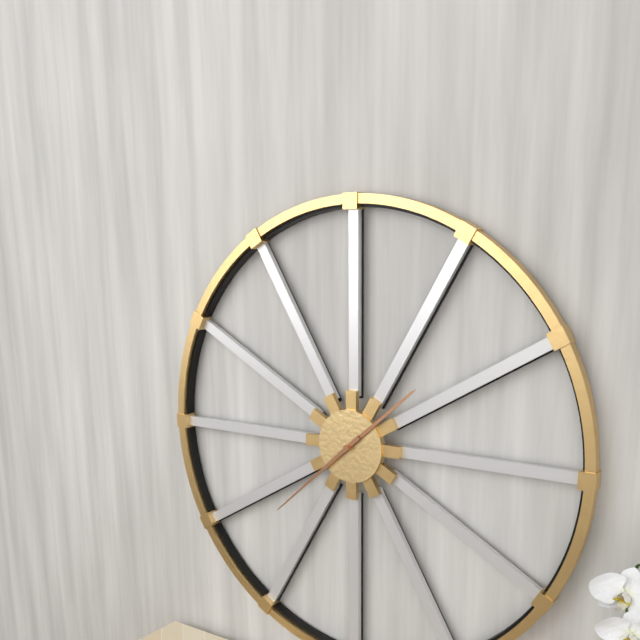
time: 1:38
